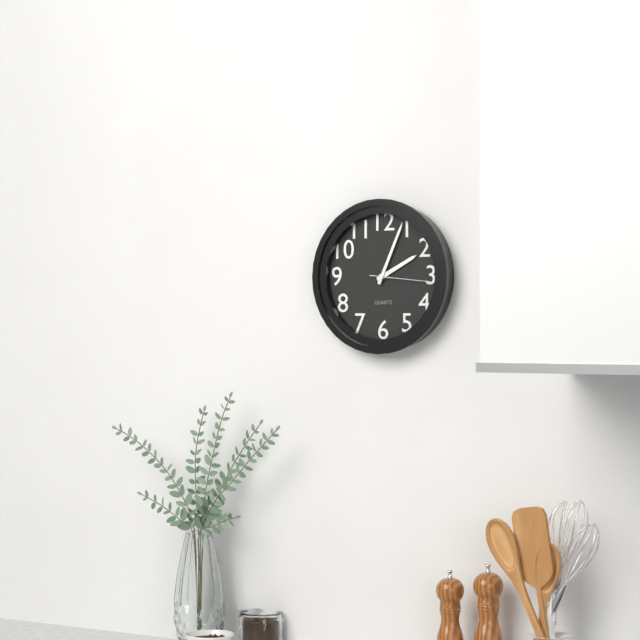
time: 2:04:16
